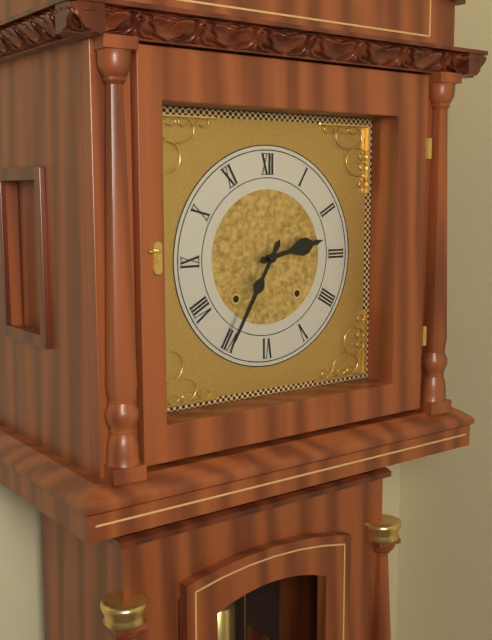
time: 2:35
